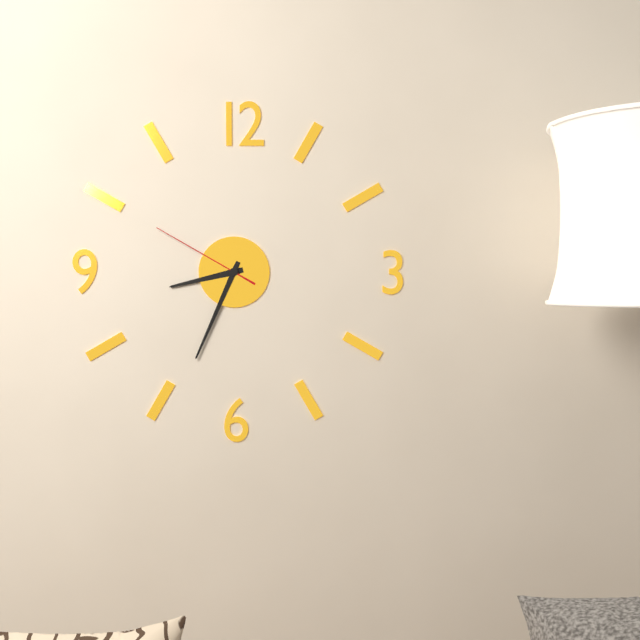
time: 8:34:50
